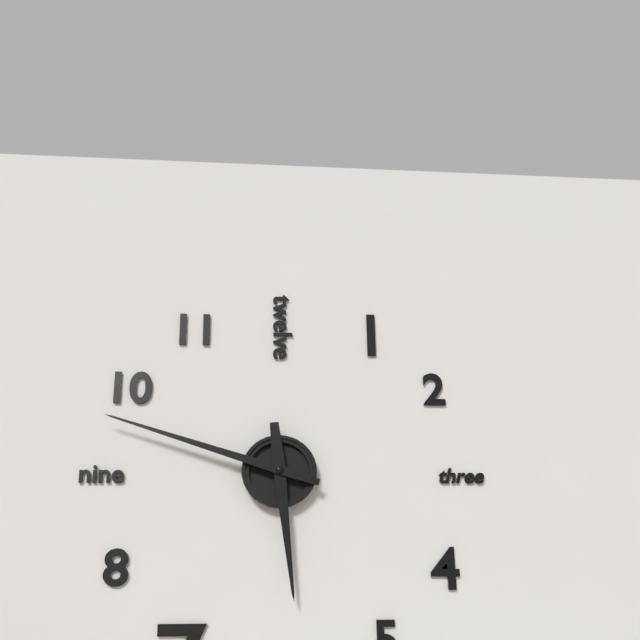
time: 5:48
